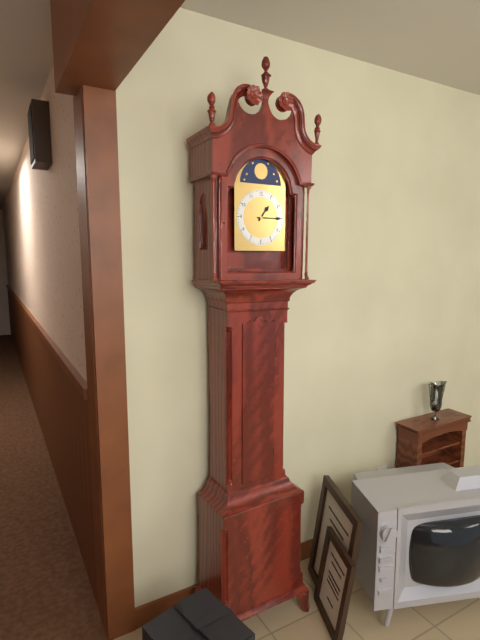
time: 1:15
